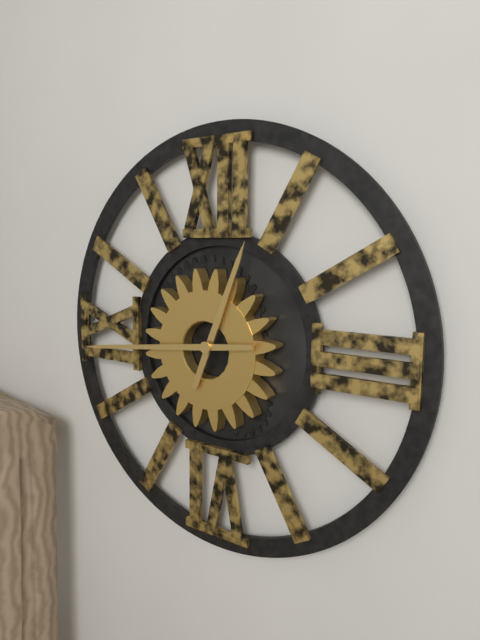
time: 12:44
